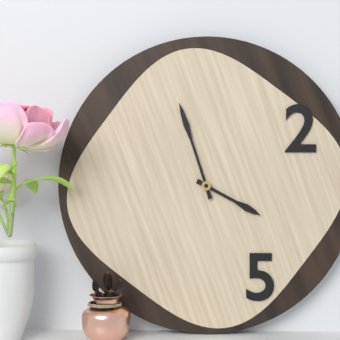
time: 3:57
